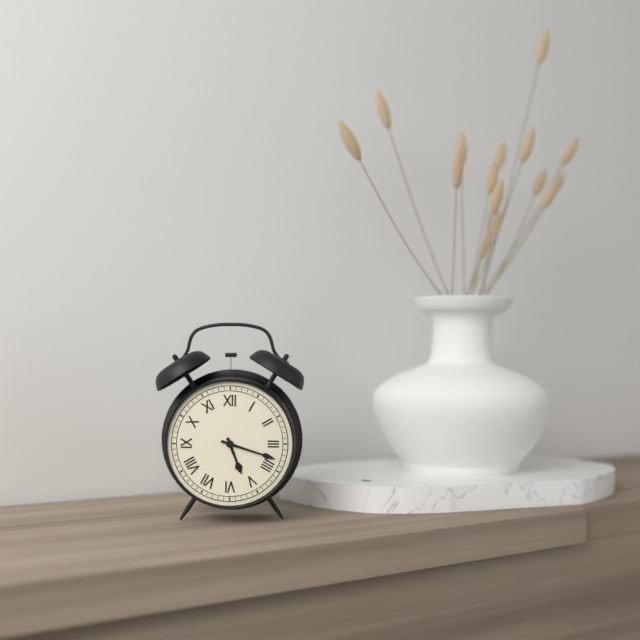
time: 5:18
